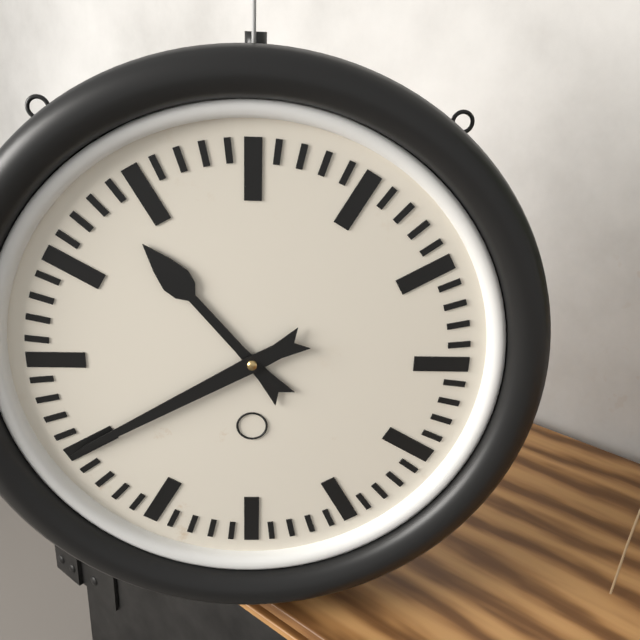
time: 10:40
